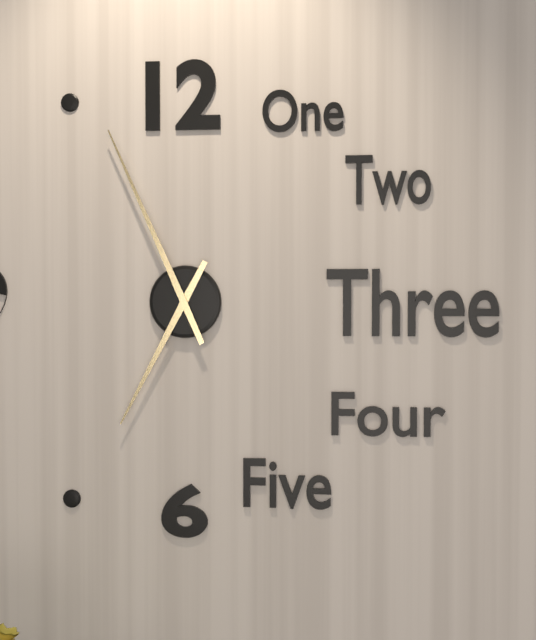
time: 6:56
